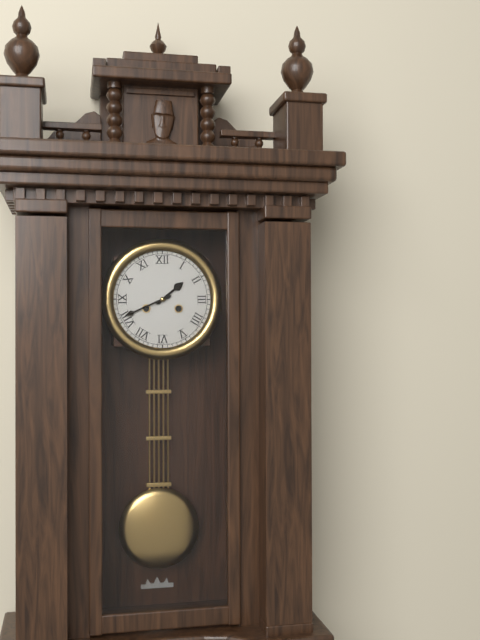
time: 1:41
